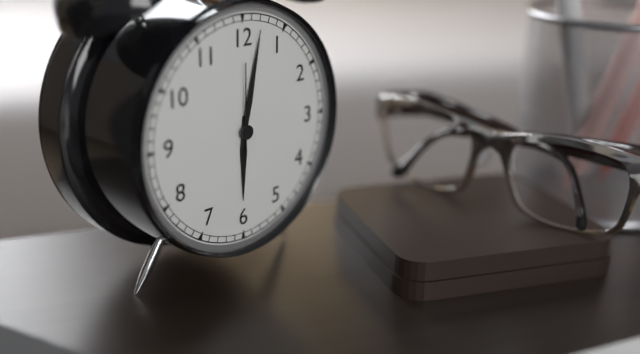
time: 6:02:00
